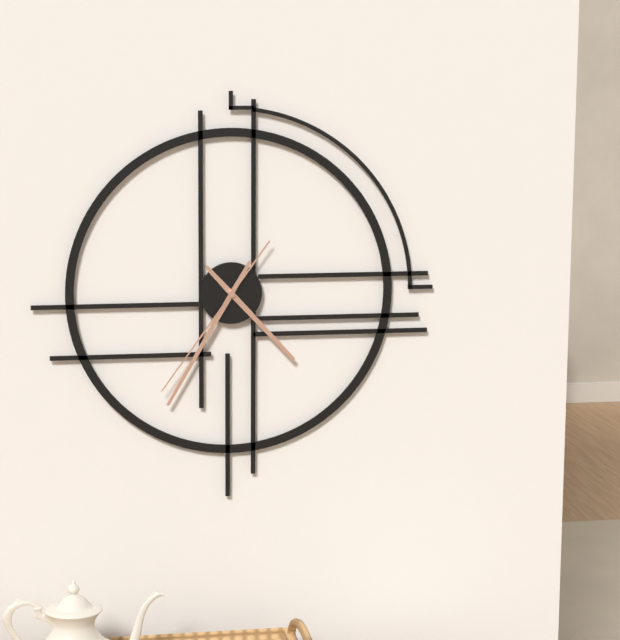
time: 4:35:36
